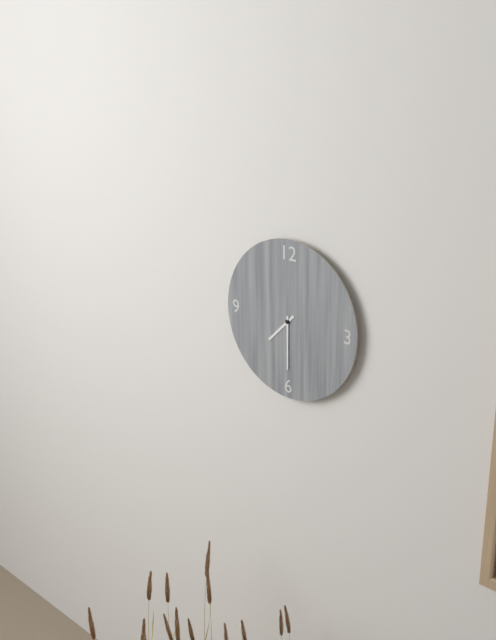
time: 7:30
